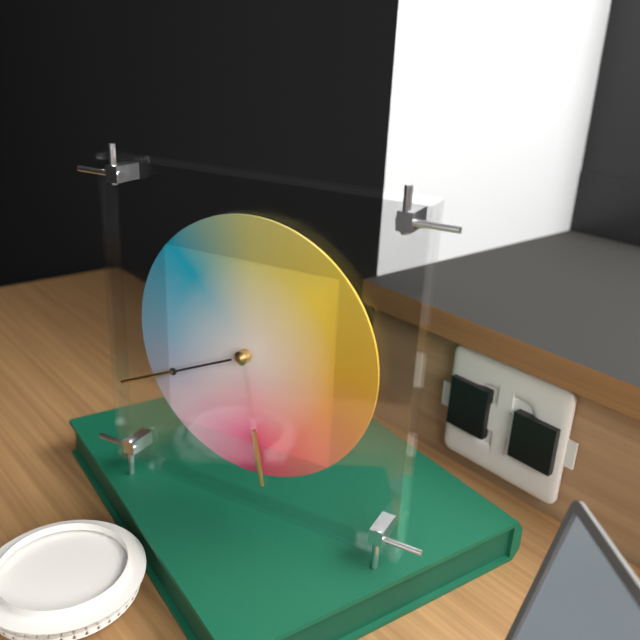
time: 5:41
